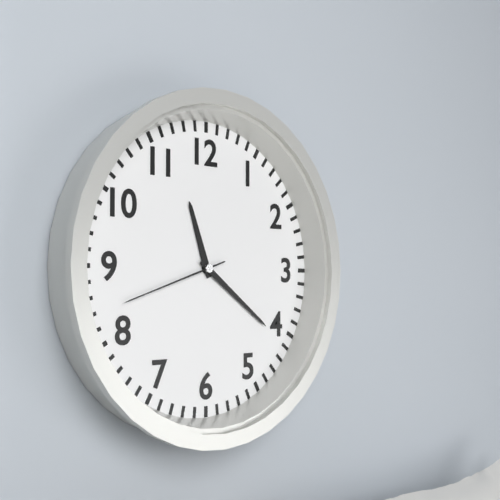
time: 11:21:42
